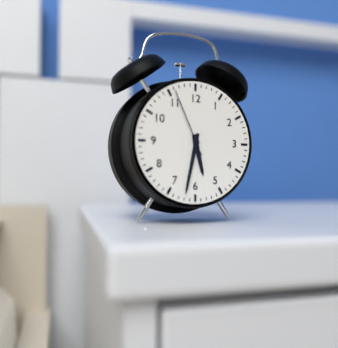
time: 5:32:56
